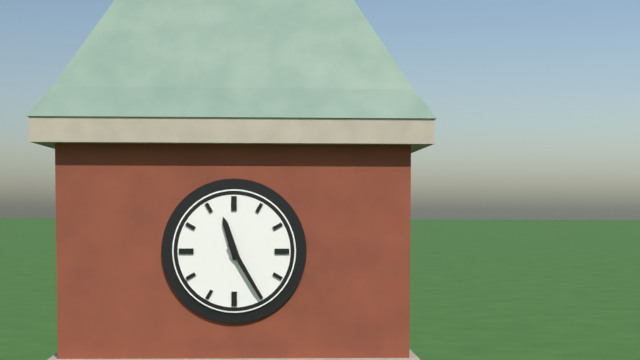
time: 11:25
